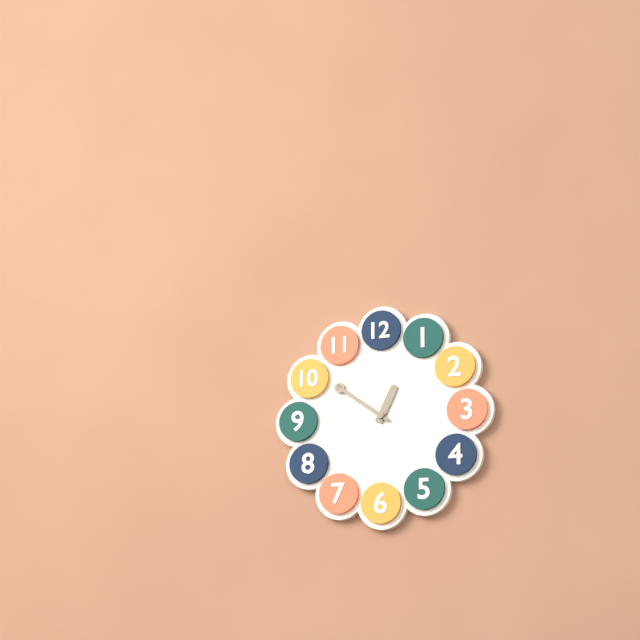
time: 12:51
